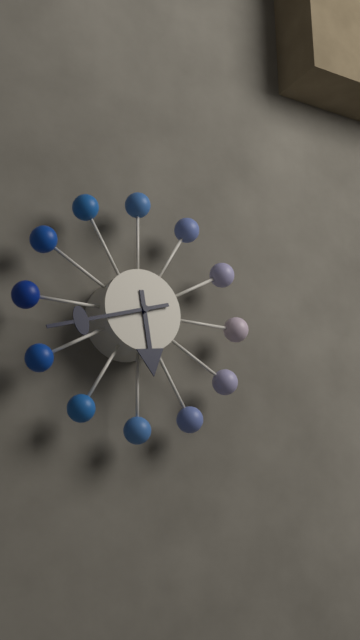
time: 5:42
